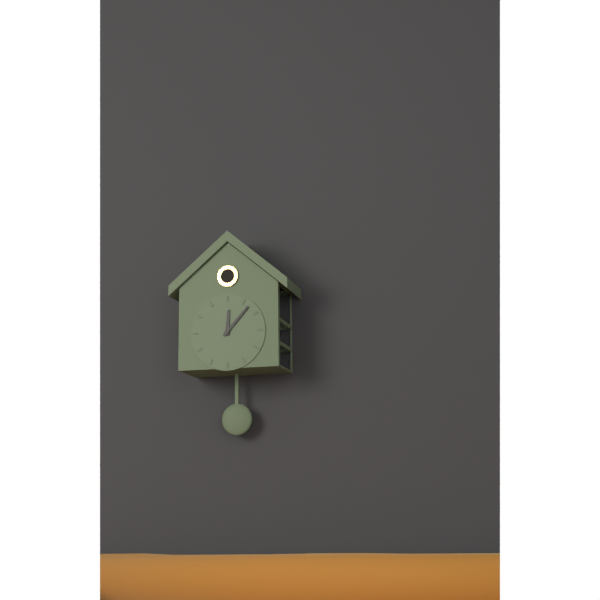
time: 12:07
